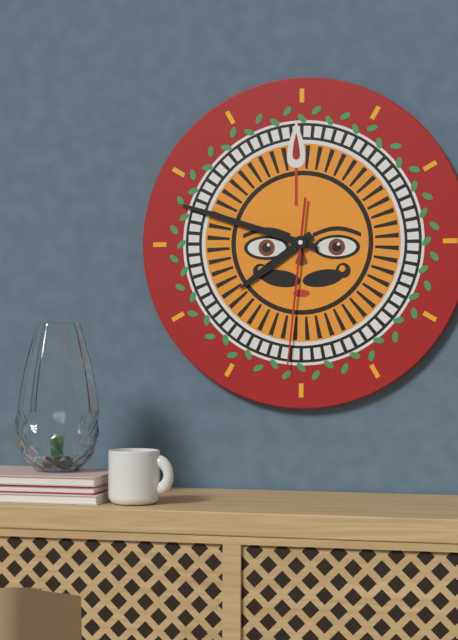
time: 7:48:31
